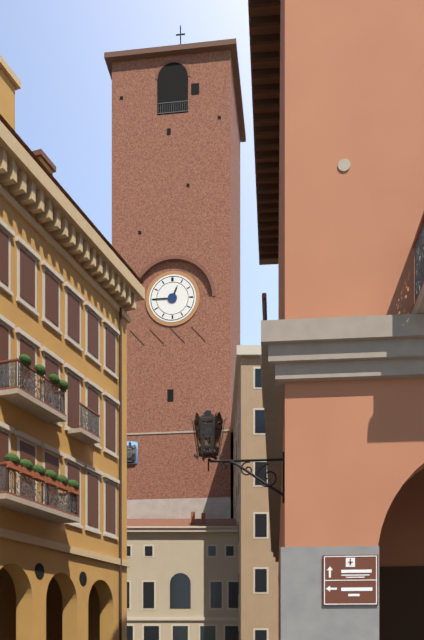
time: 12:45
